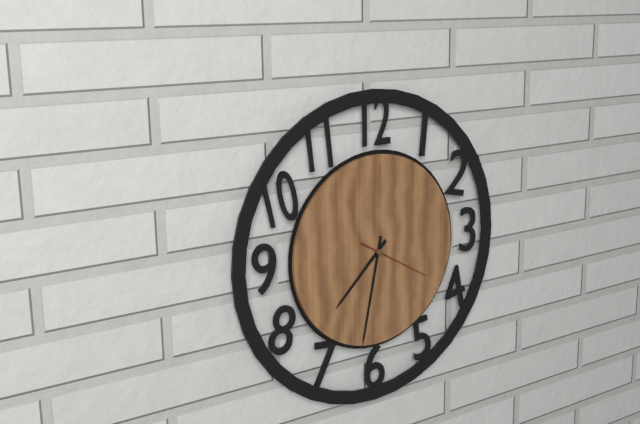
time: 7:32:20
